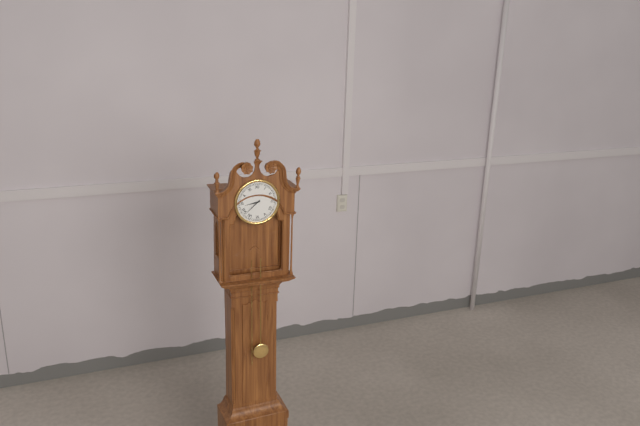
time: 8:38
